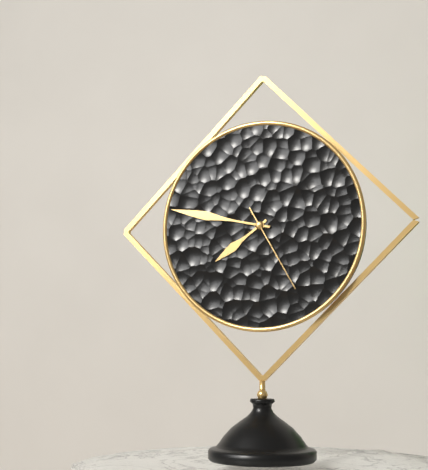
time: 7:47:25
